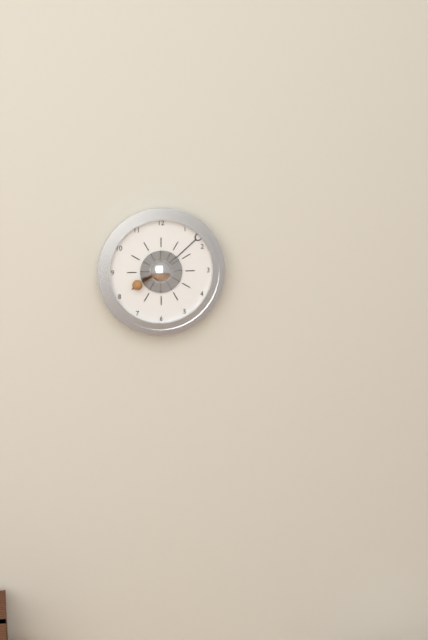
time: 8:08
